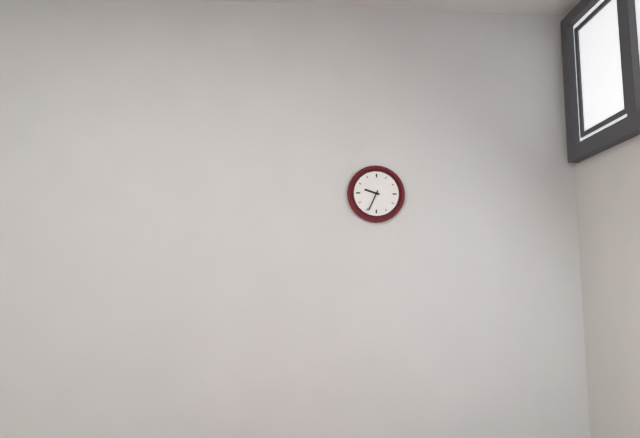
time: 9:34
